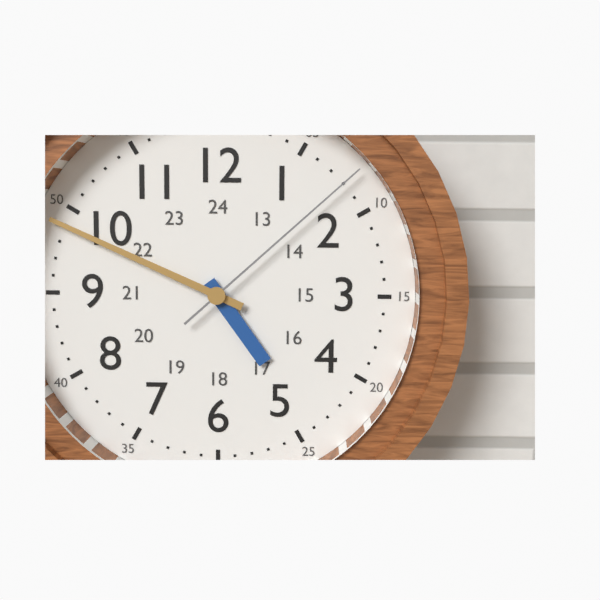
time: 4:49:08
